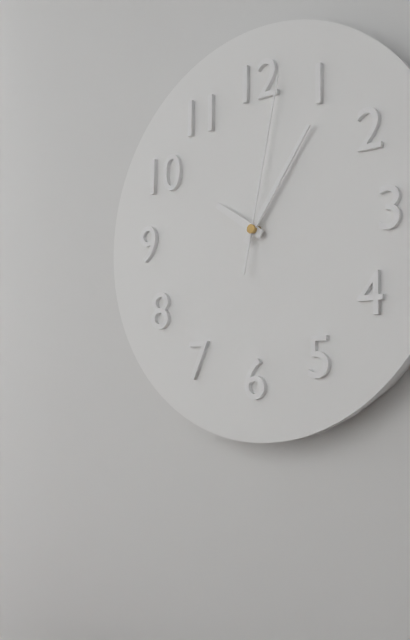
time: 10:06:02
